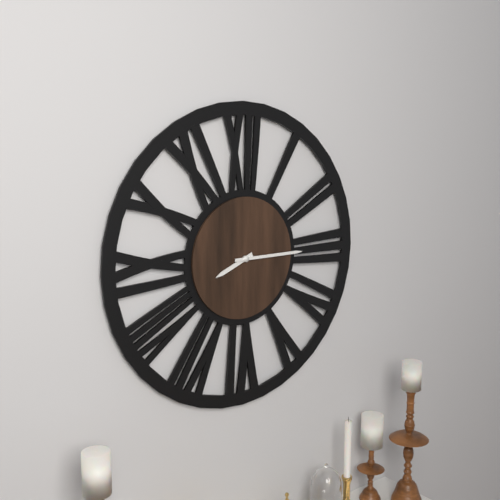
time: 8:15
